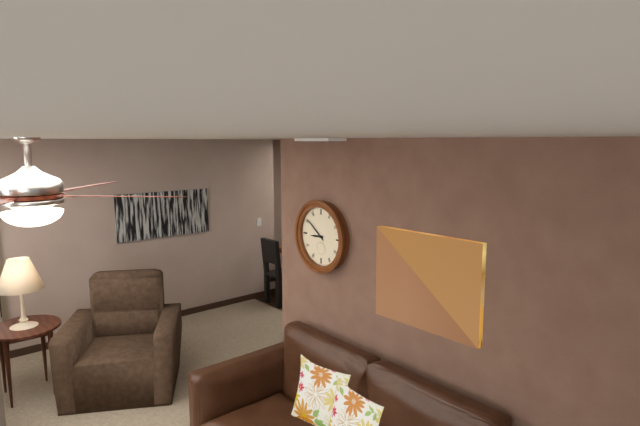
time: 8:51
